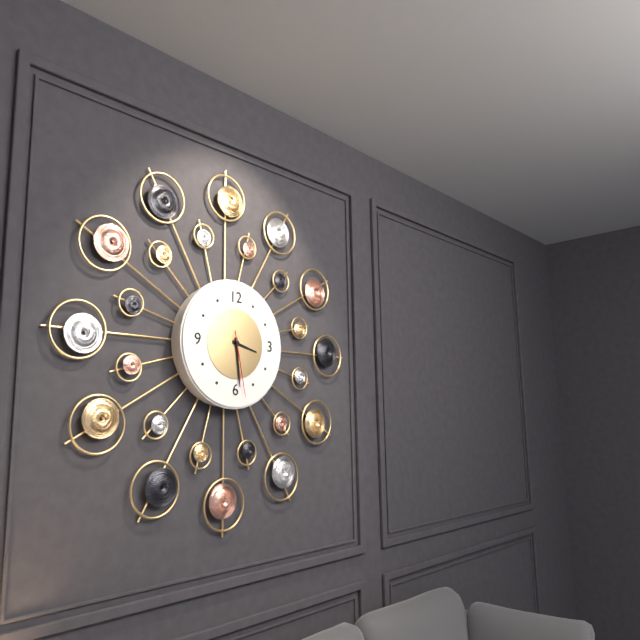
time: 3:29:28
